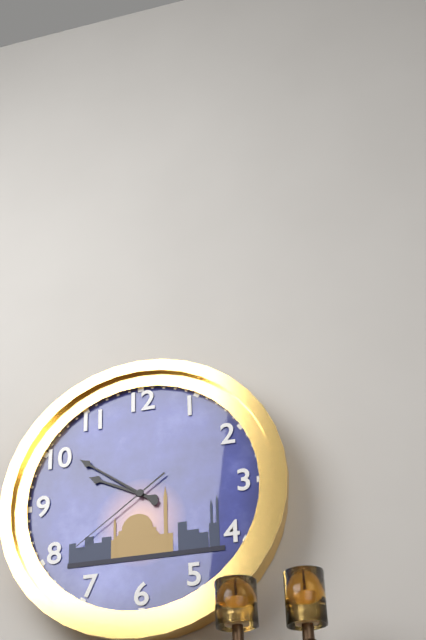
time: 9:51:39
